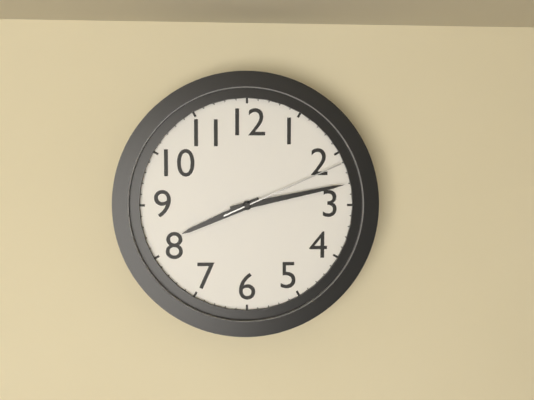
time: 8:13:11
